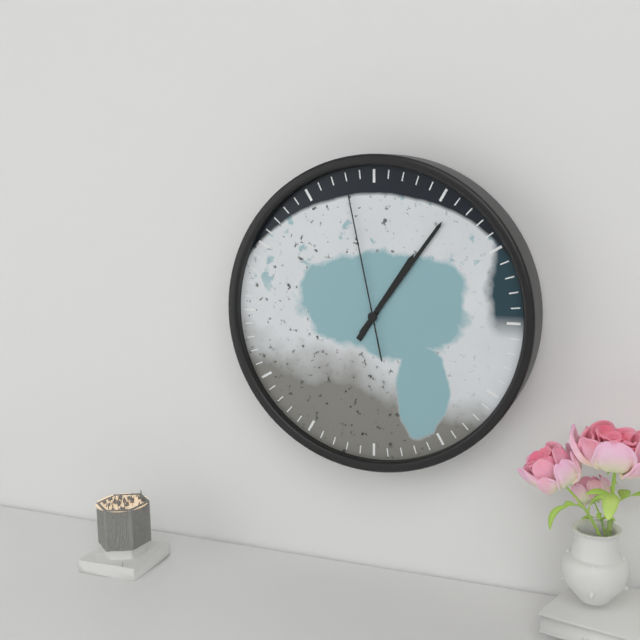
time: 1:06:58
